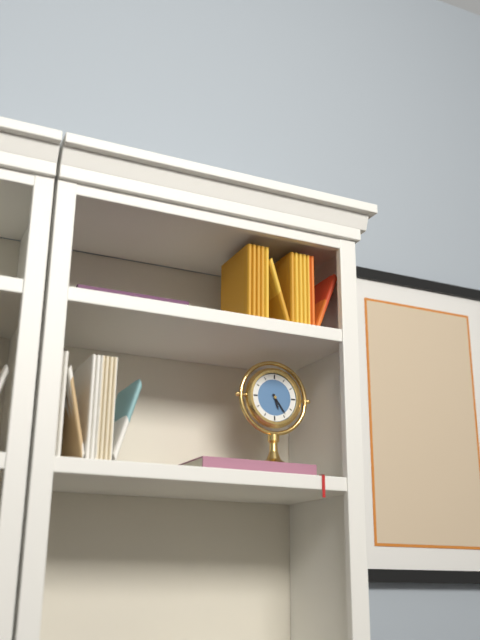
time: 5:24
